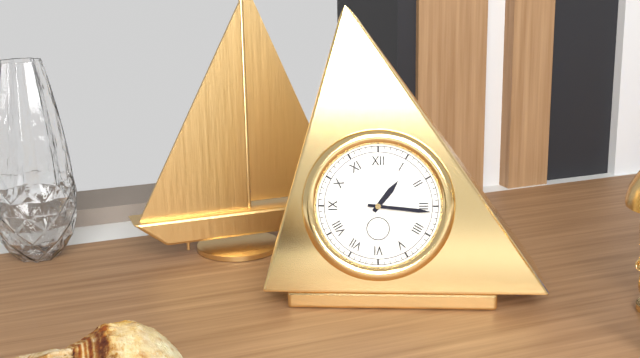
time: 1:16
